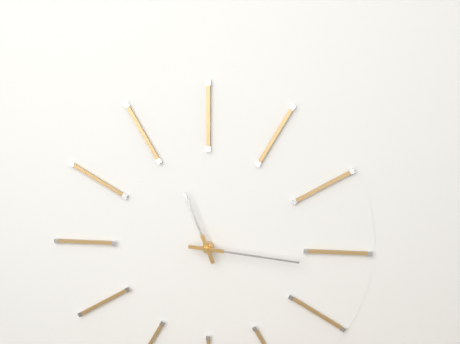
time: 11:16
